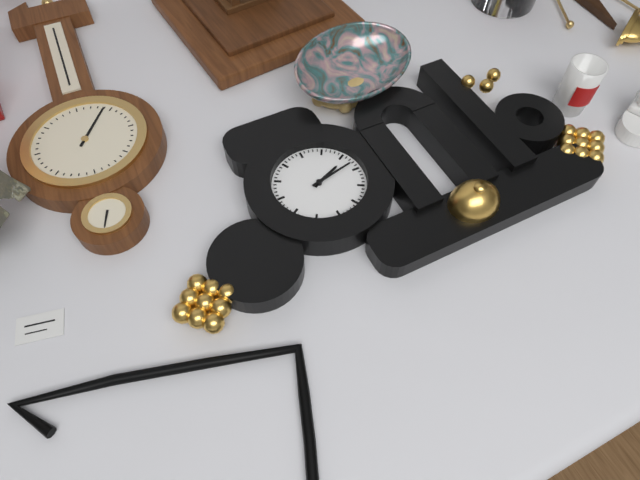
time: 2:13
